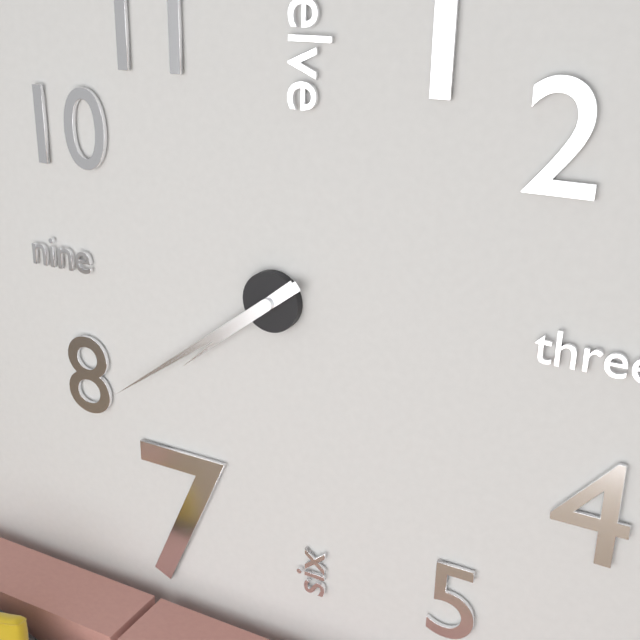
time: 7:39
